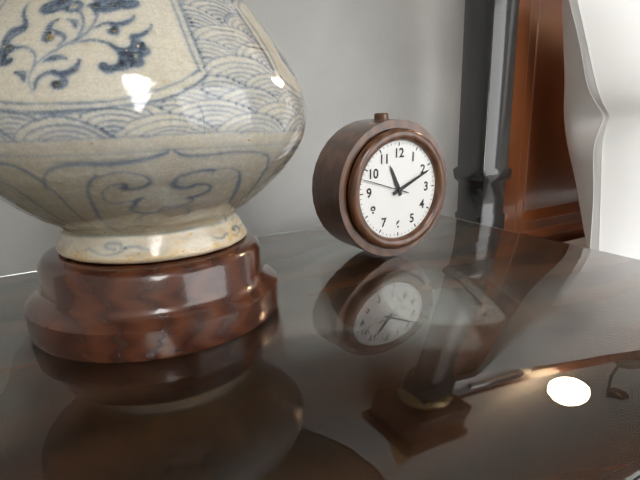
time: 11:11
